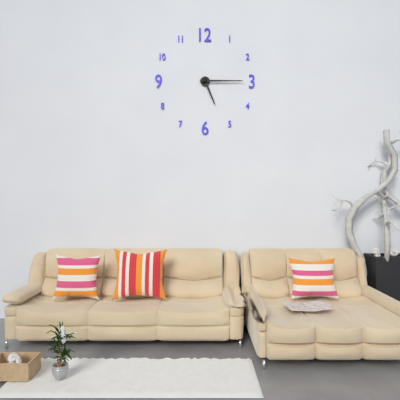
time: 5:15
